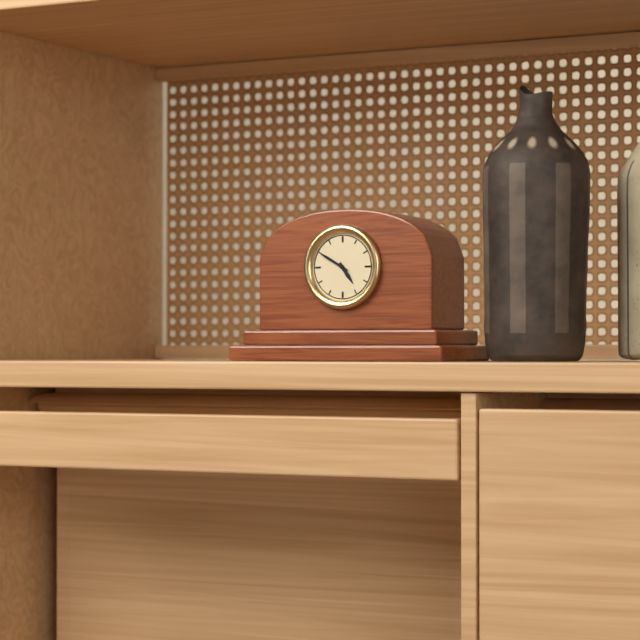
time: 4:50
